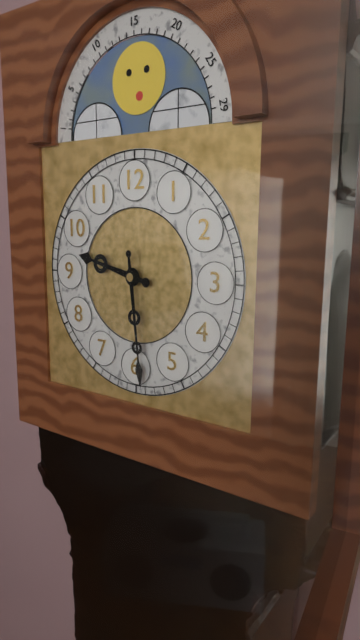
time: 9:29
